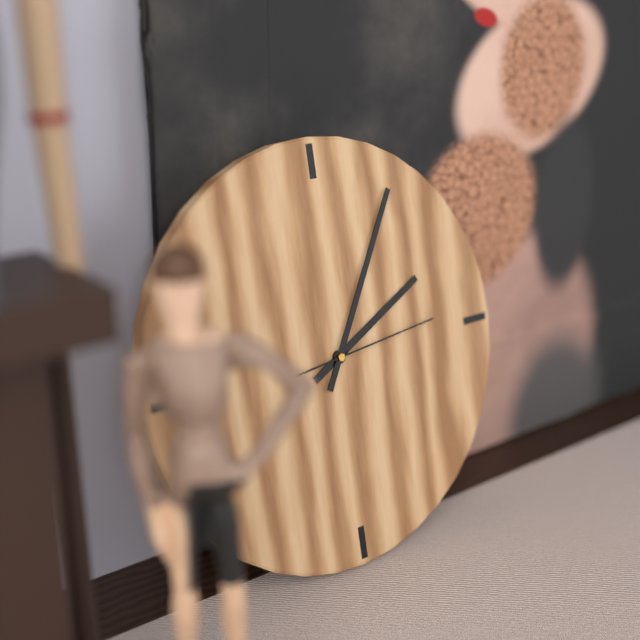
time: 2:05:14
